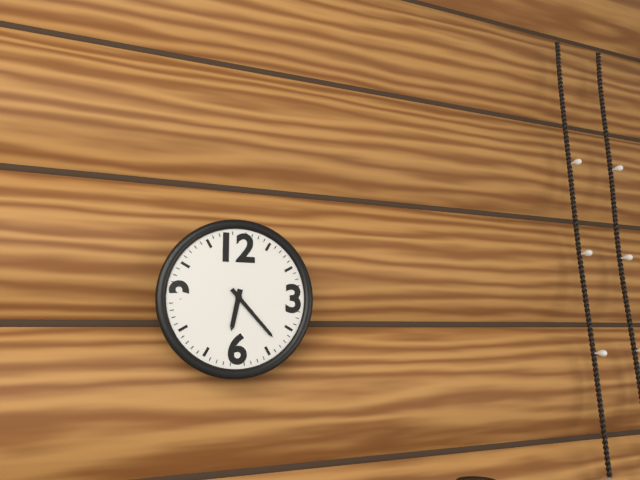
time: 6:23
